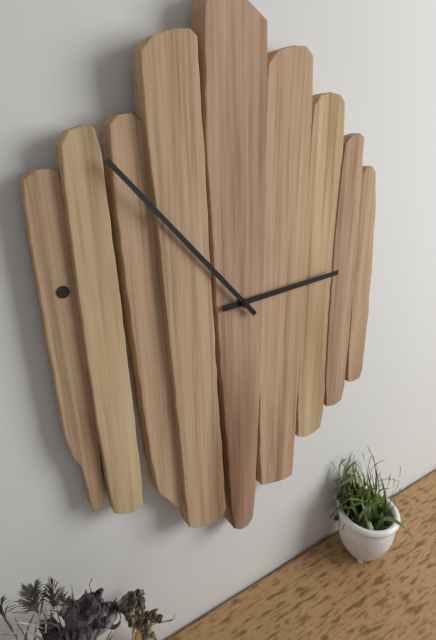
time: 2:53
